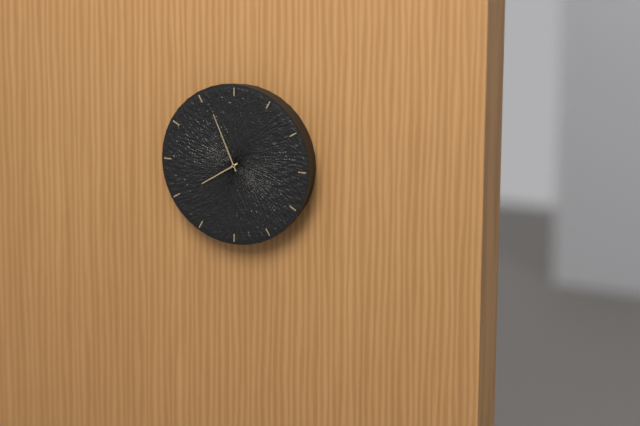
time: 7:56
